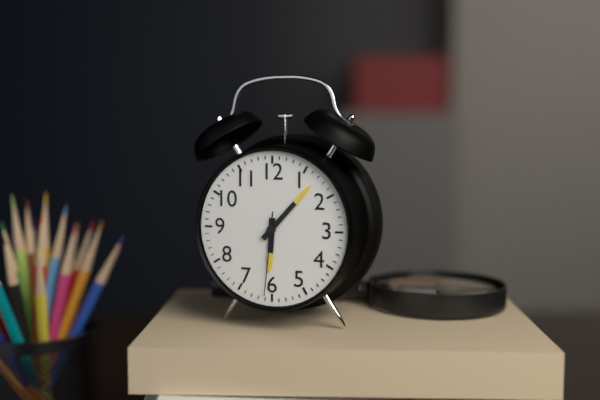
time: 6:07:31
